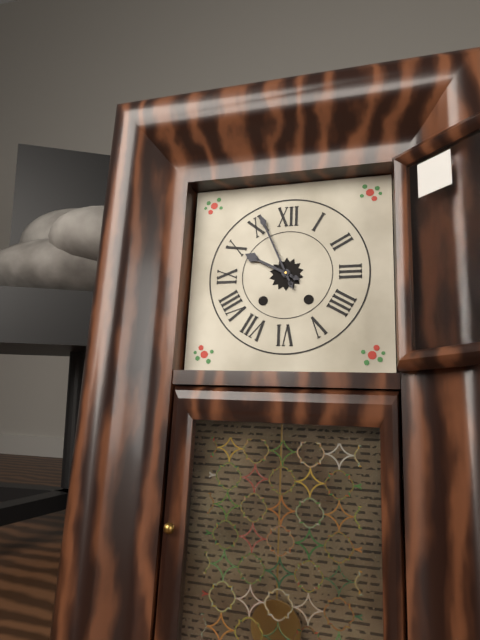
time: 9:56
